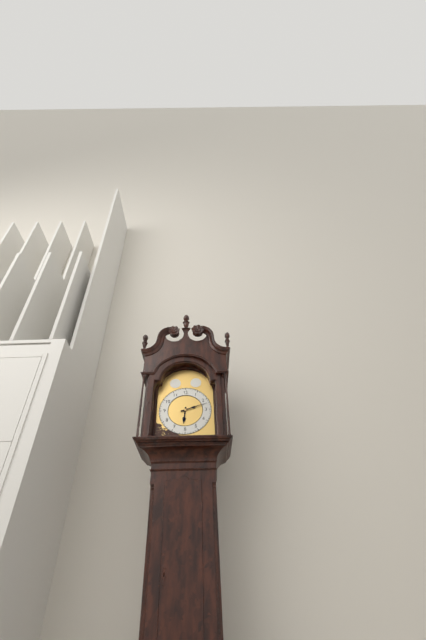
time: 6:12
